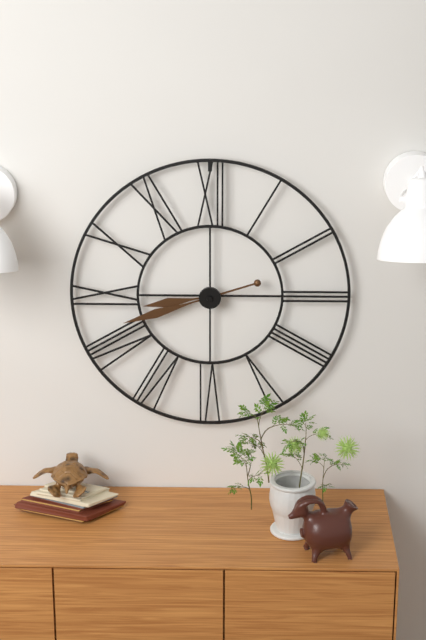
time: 8:42
